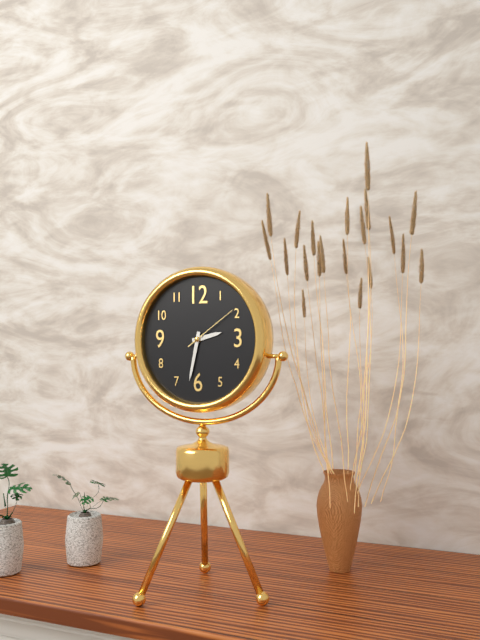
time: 2:32:09
